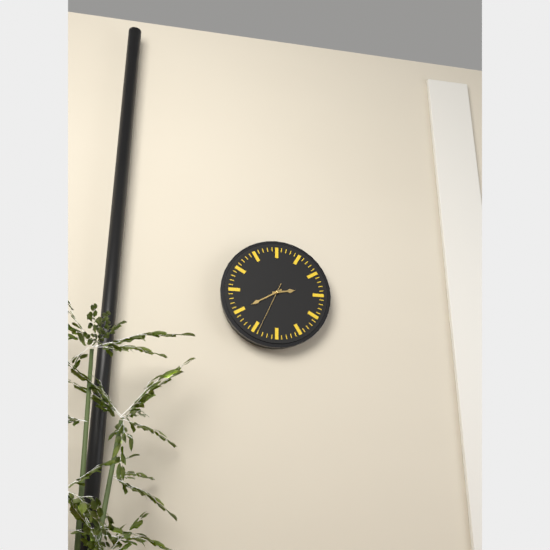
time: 2:40:34
